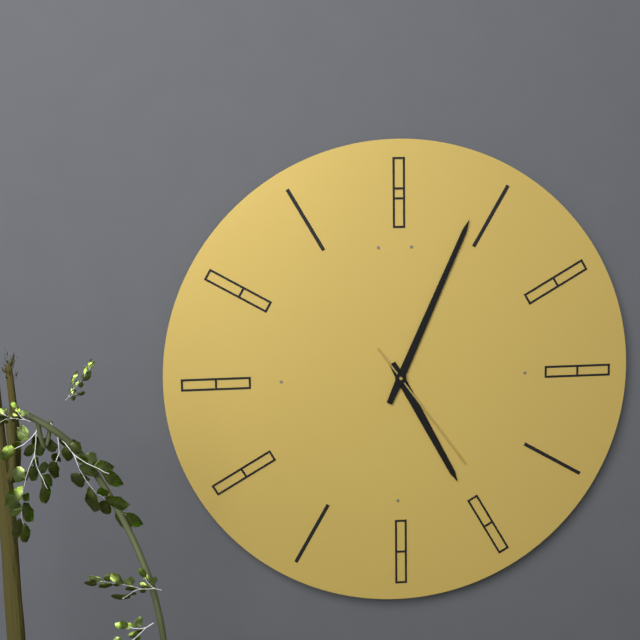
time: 5:04:24
